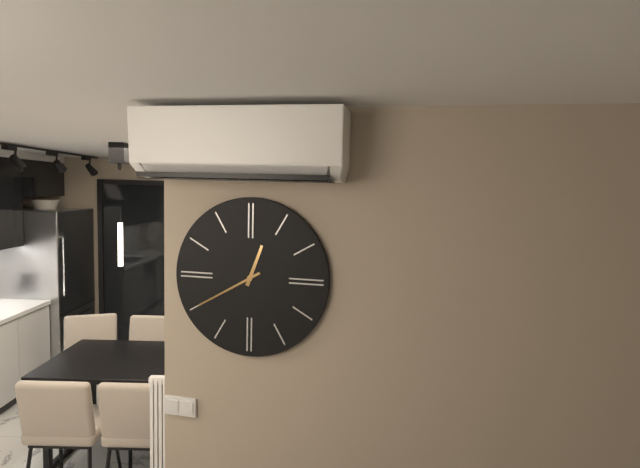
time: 12:40
